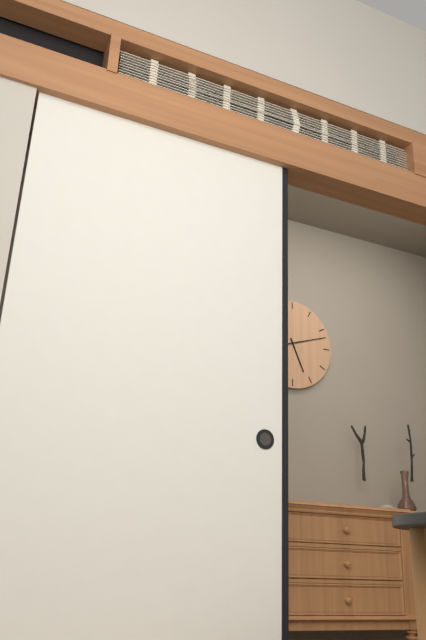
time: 5:12
